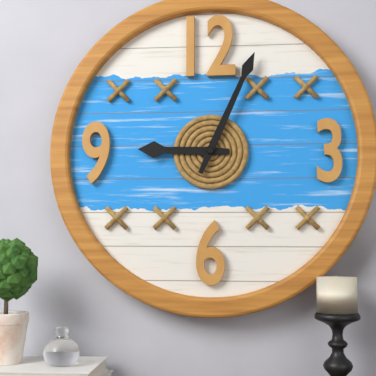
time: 9:04
